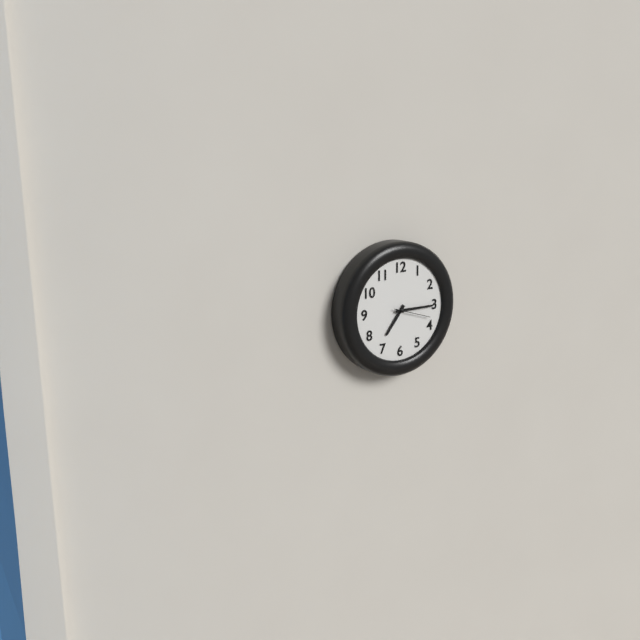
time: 7:15
